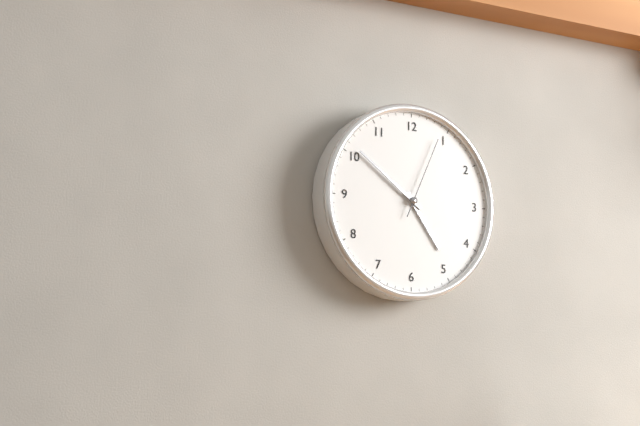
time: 4:51:04
